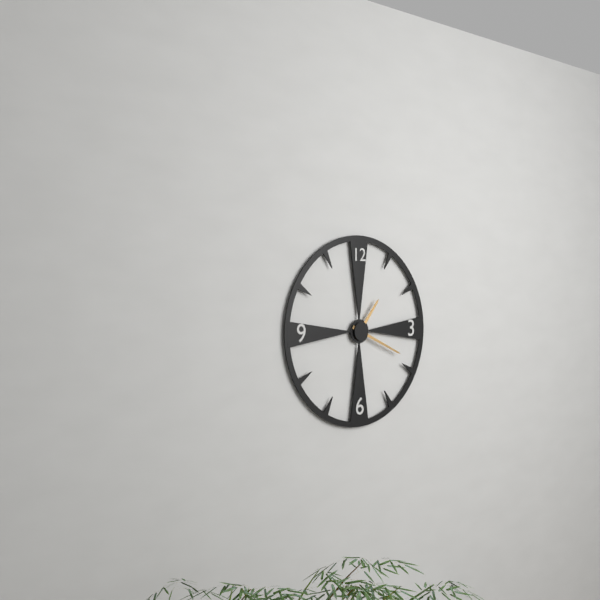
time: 1:19
